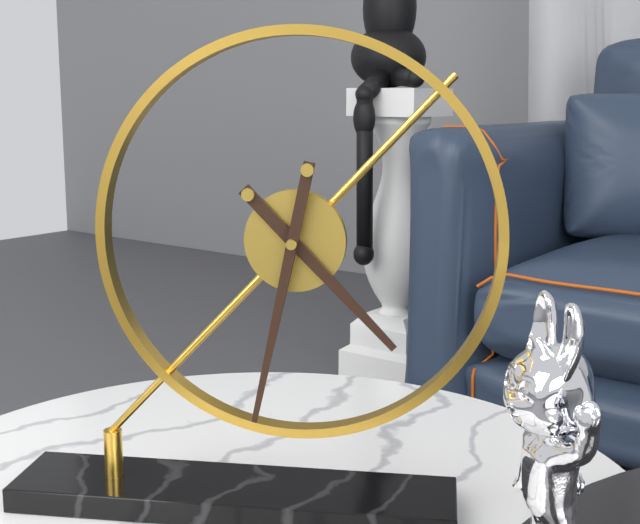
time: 4:32
